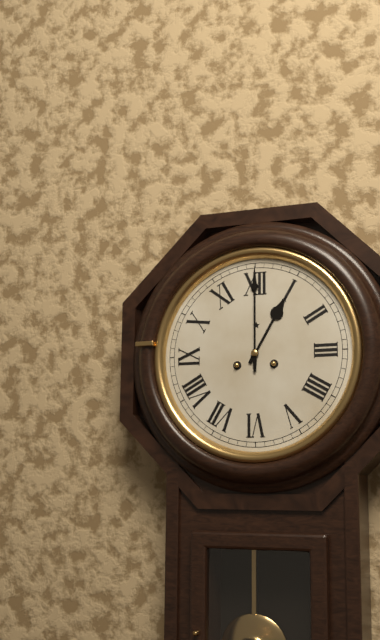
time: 1:00
